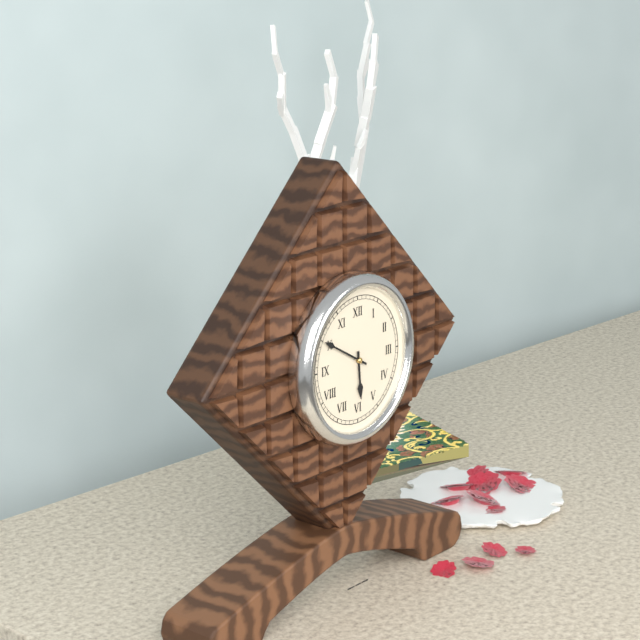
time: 5:50
